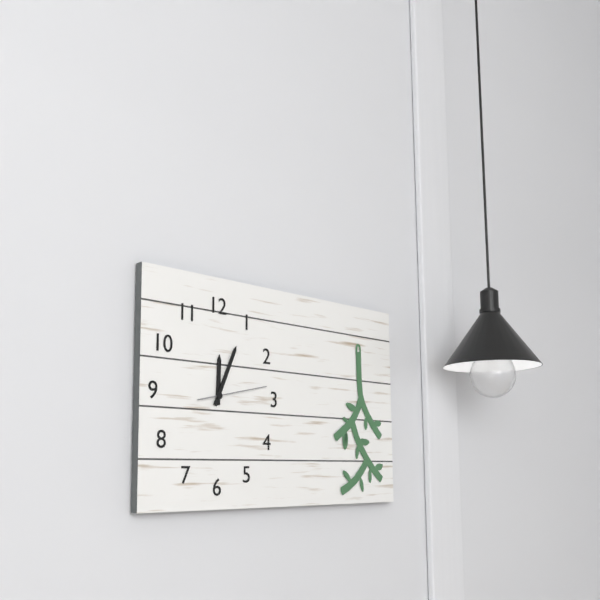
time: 12:04:13
